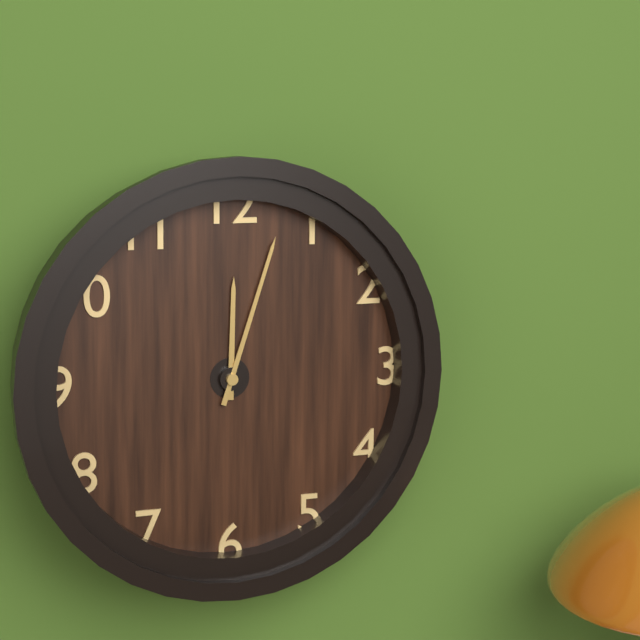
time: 12:03
